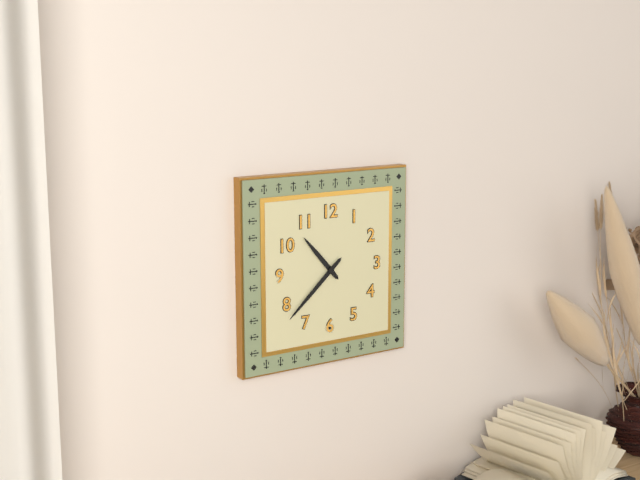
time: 10:38
